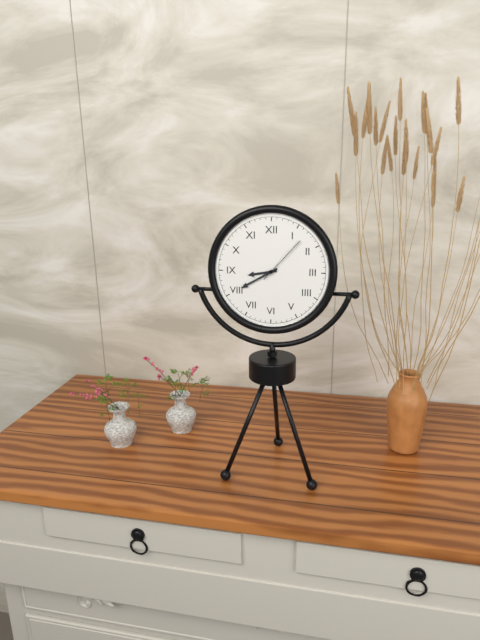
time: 8:40:07
